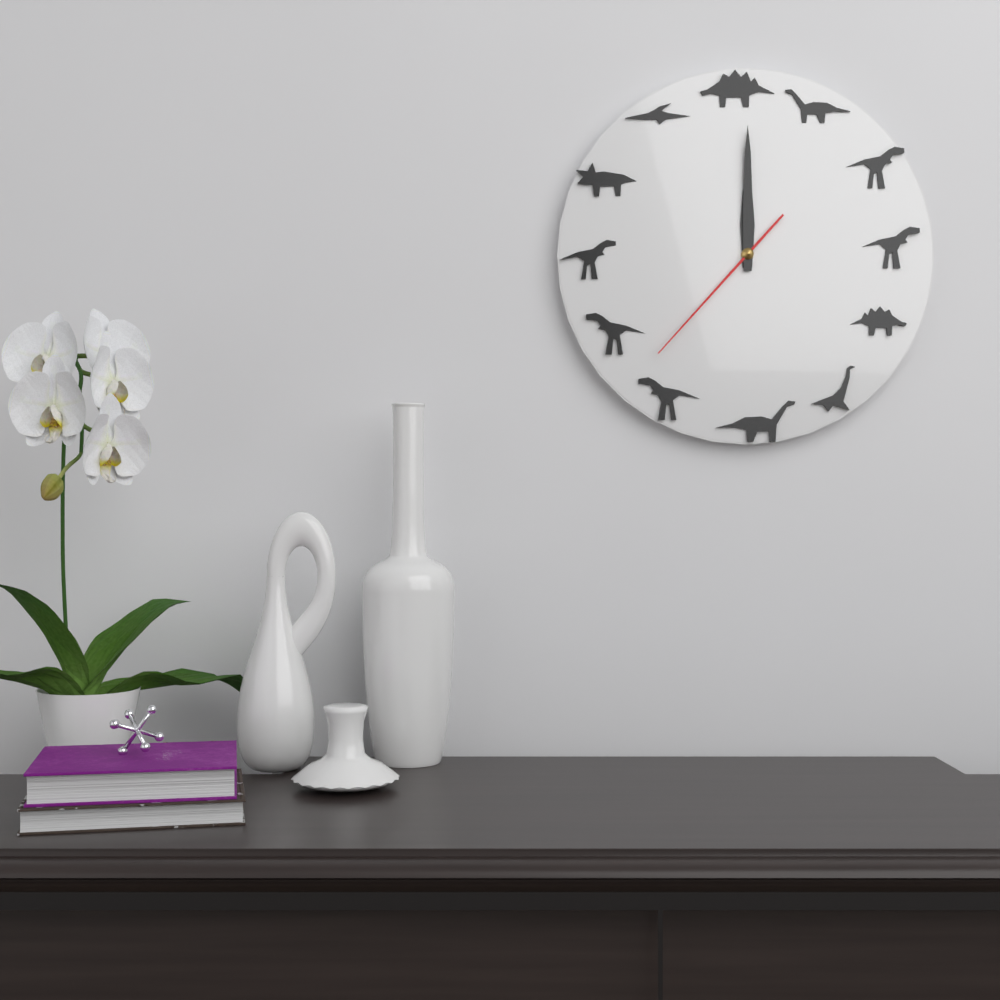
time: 12:00:37
